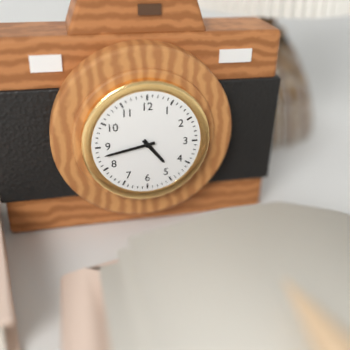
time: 4:43
